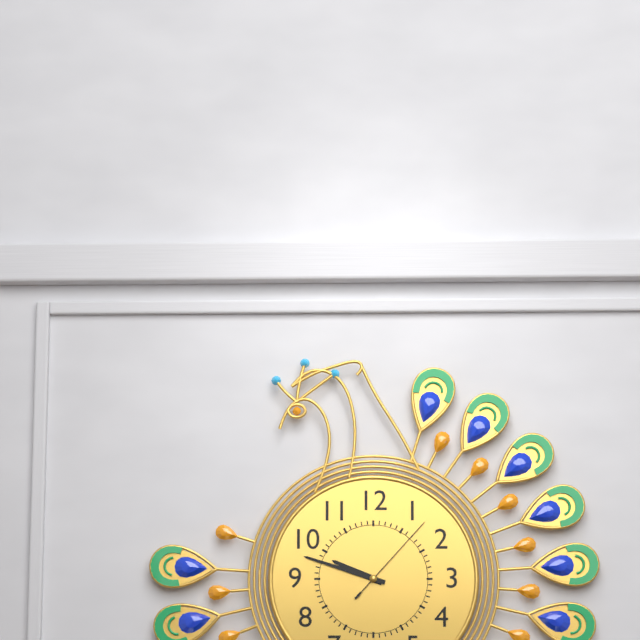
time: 9:48:07
